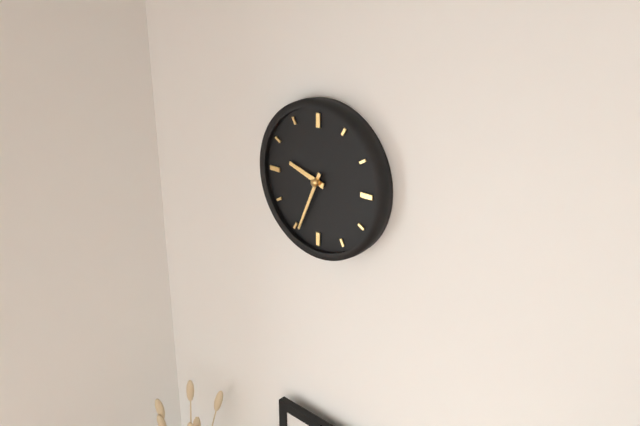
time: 9:34
